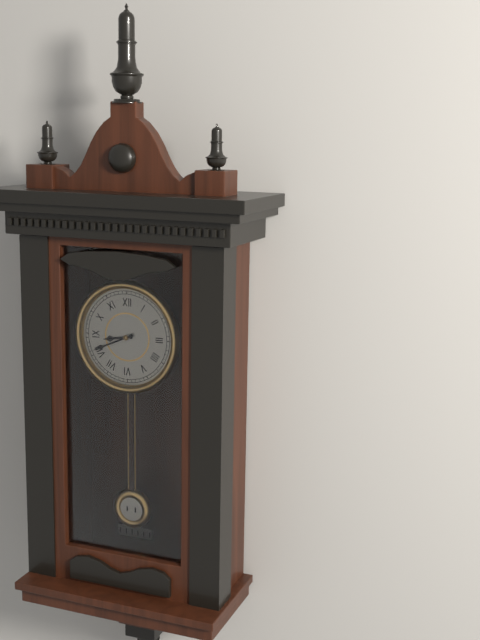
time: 8:41
